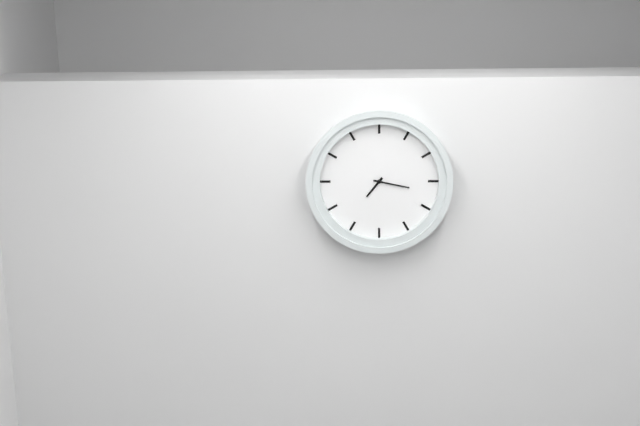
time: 7:17
